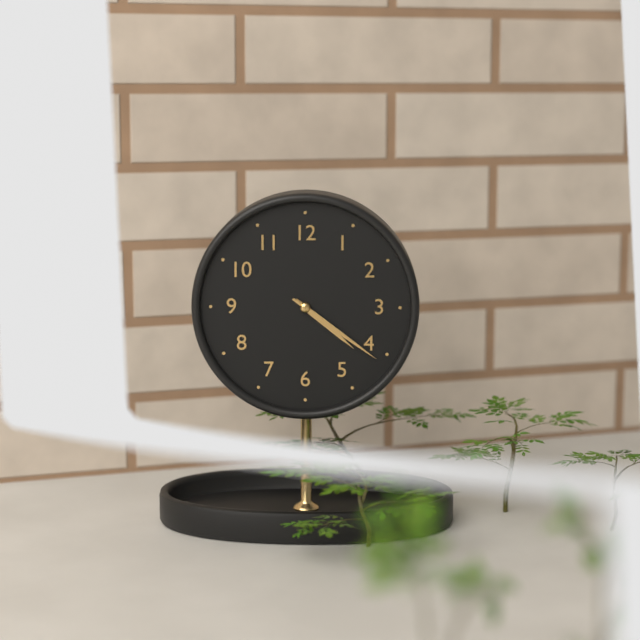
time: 4:21
